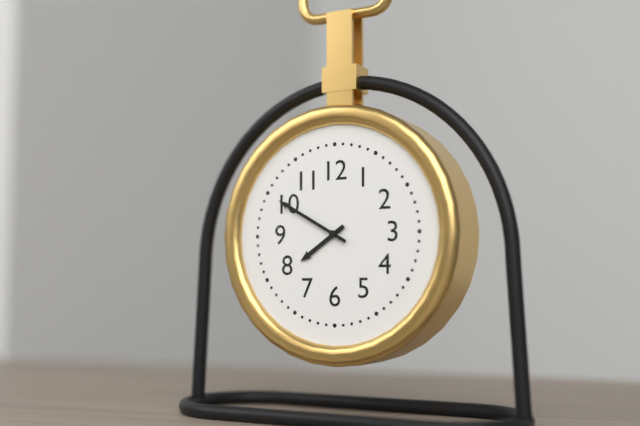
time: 7:50
